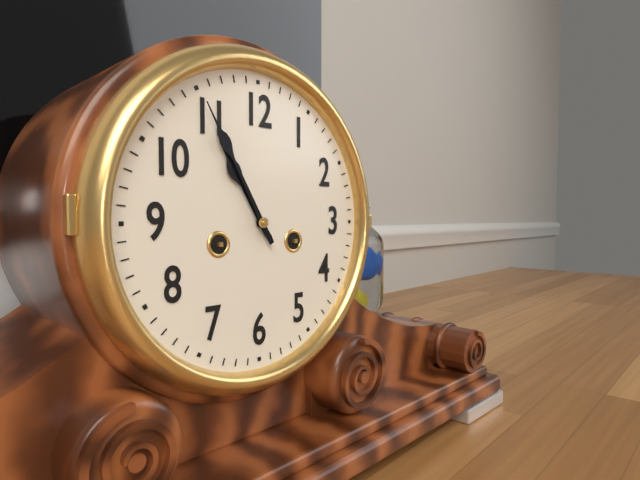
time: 10:55
